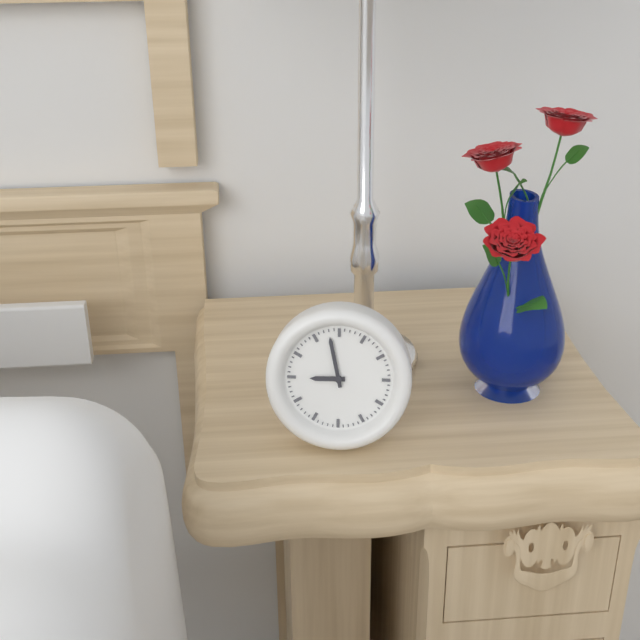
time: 8:58
